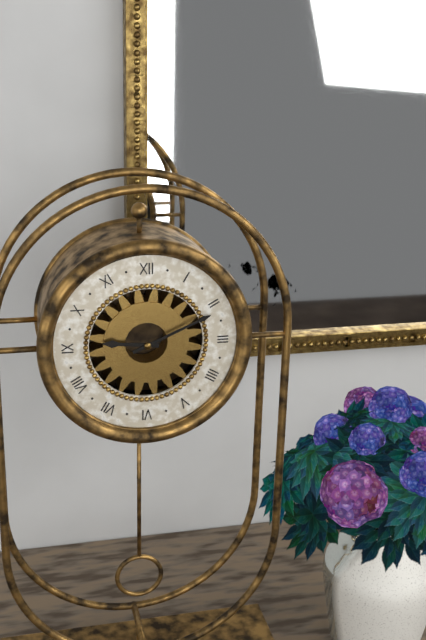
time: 9:11
